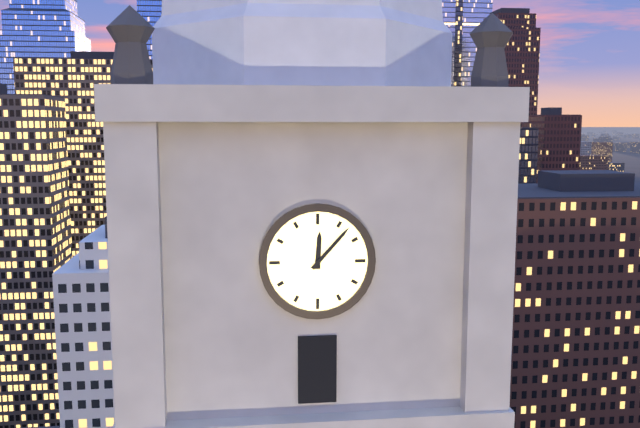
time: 12:07
